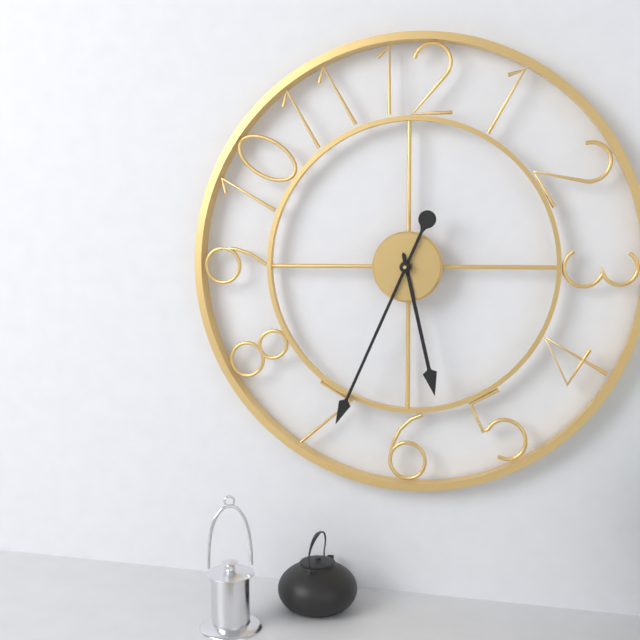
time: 5:34
